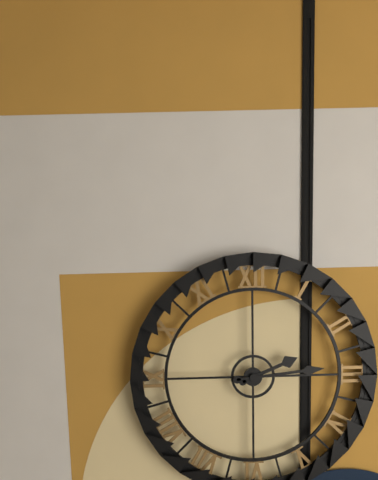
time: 2:14
